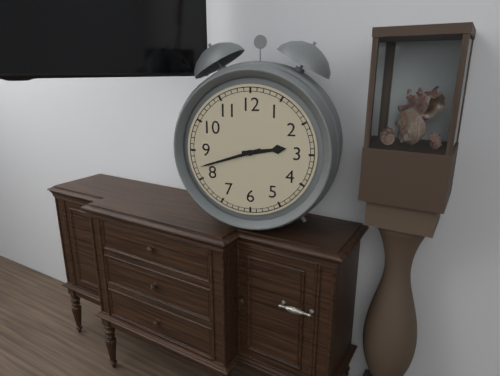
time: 2:42
